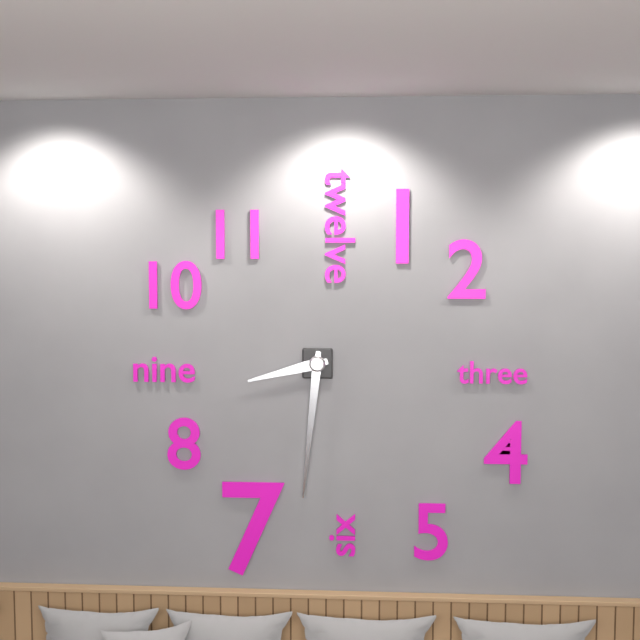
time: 8:31
